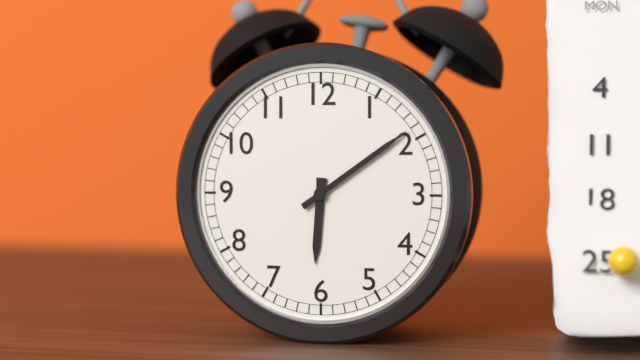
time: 6:09
